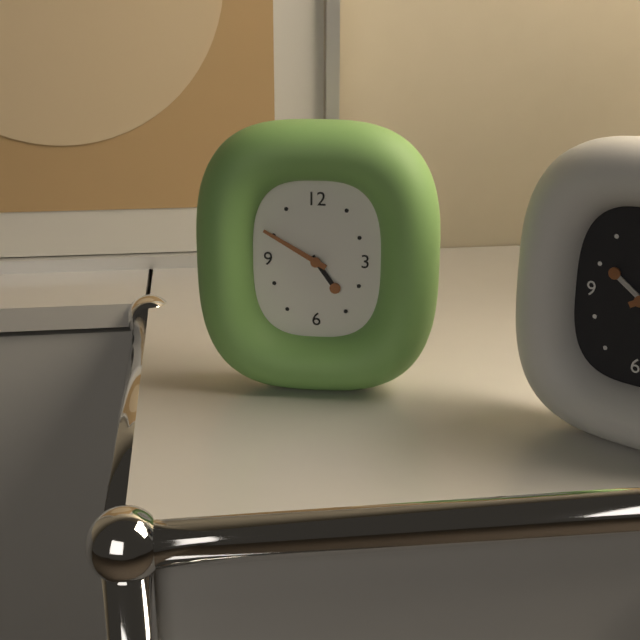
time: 4:50
